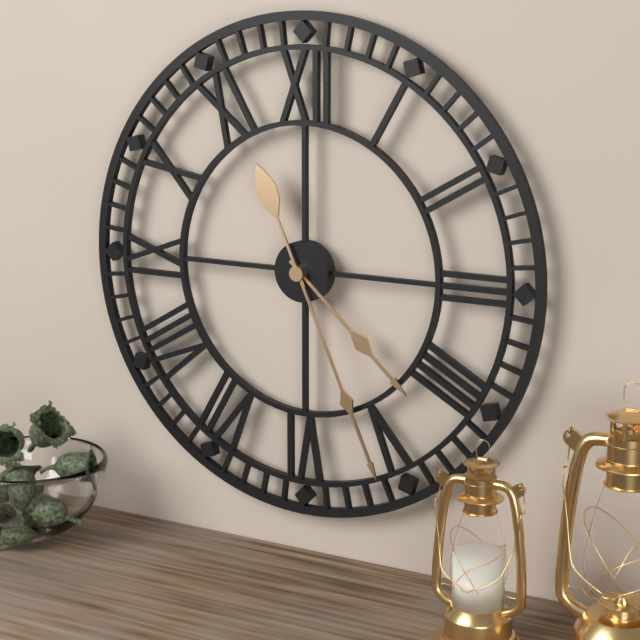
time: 4:26
